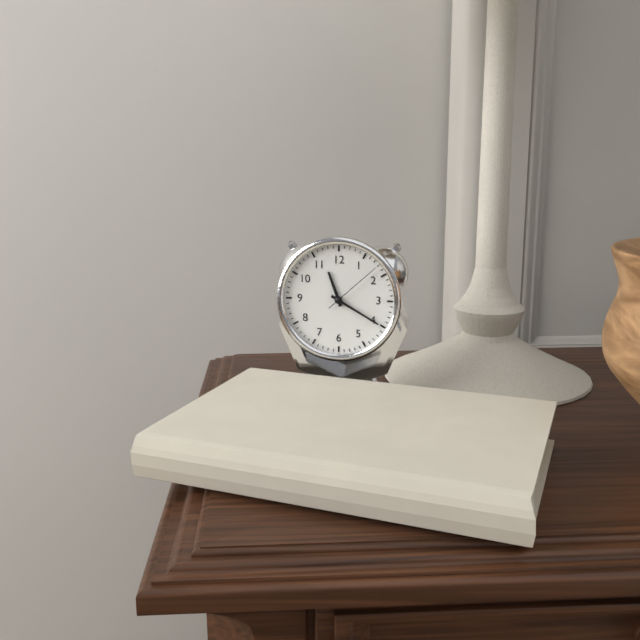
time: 11:20:08
